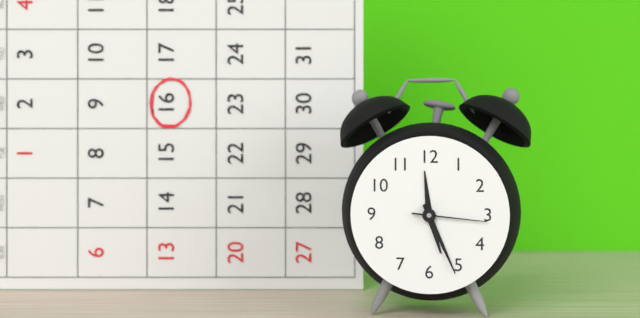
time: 5:26:16
